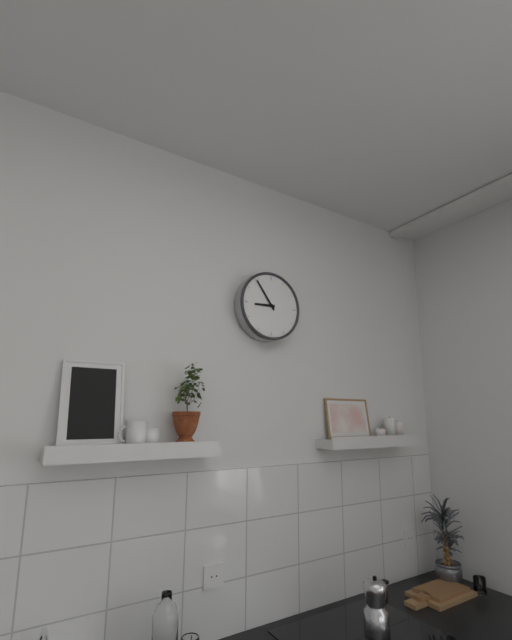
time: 8:54
